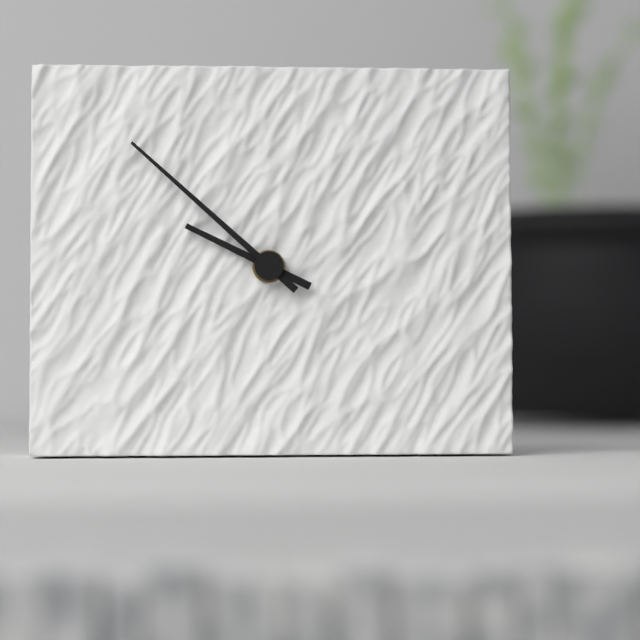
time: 9:52
